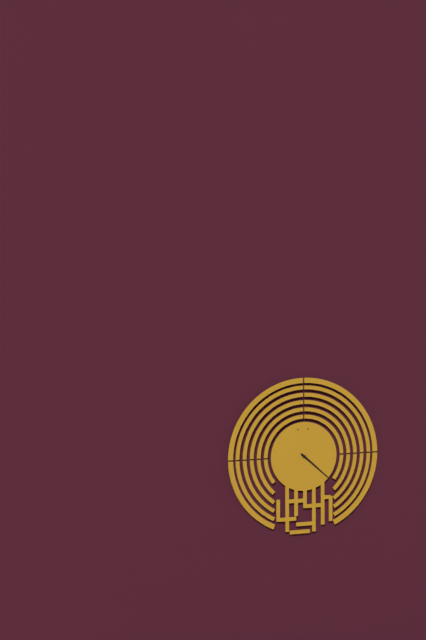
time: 4:22
